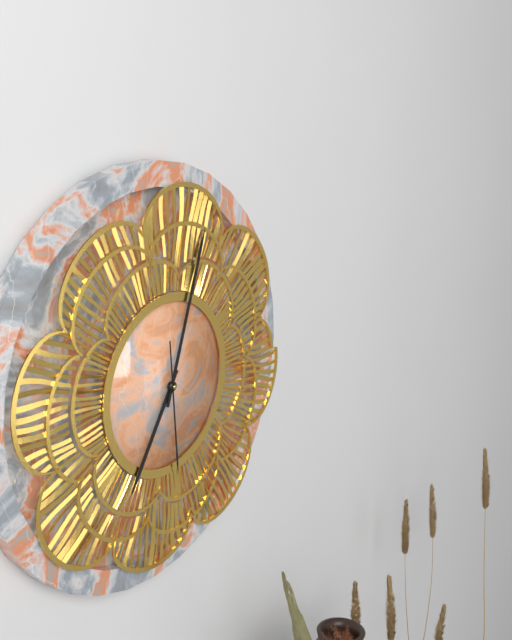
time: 7:03:29
